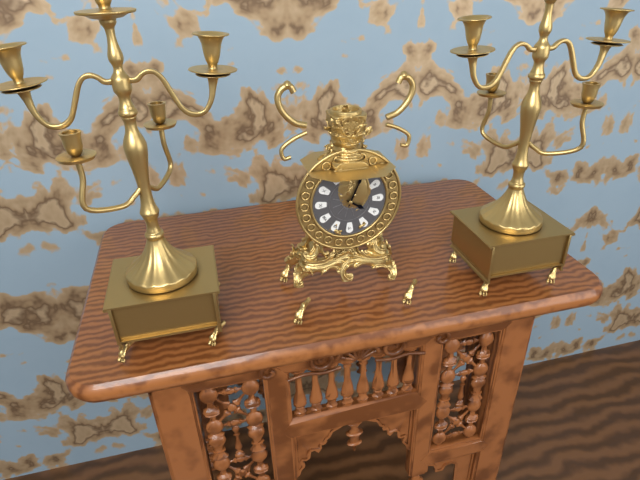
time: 4:04
